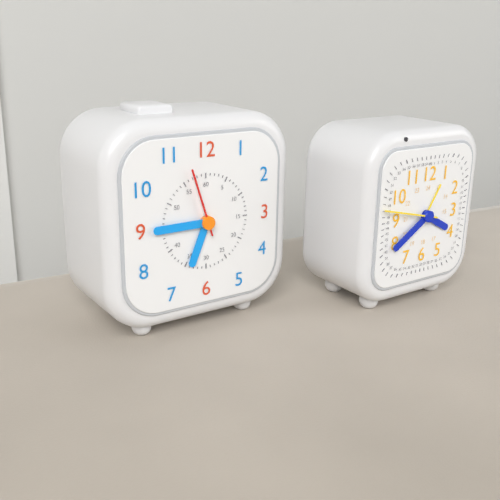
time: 6:45:57
